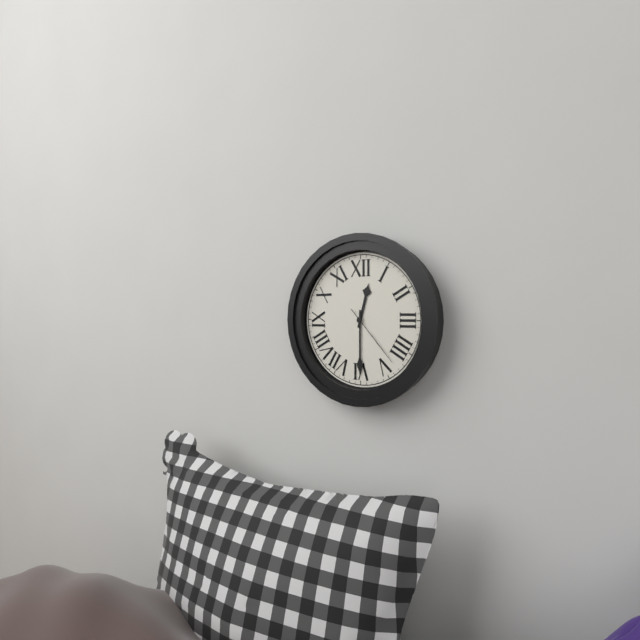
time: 12:30:23
